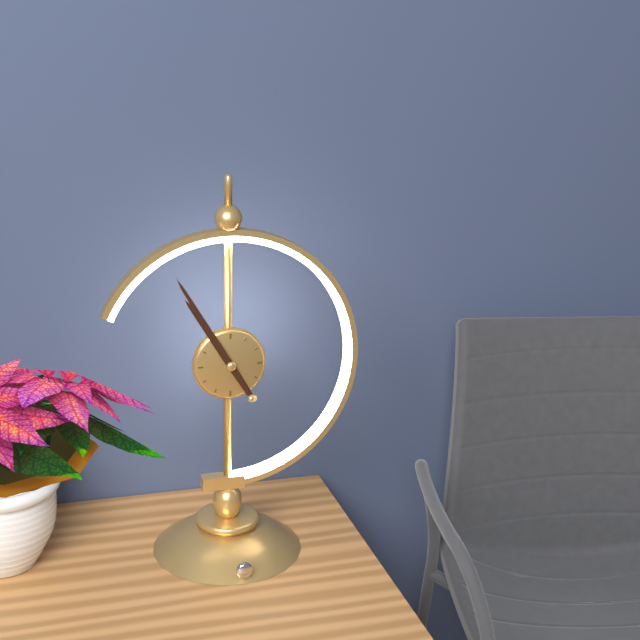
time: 10:55
